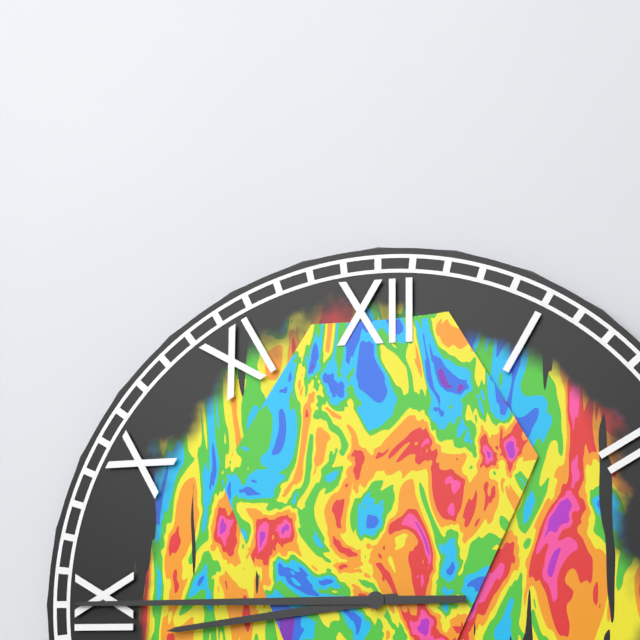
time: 8:45
